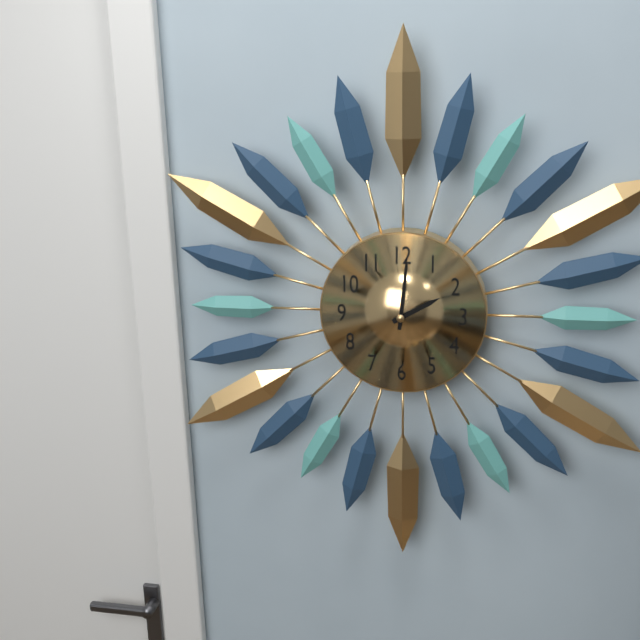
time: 2:01
